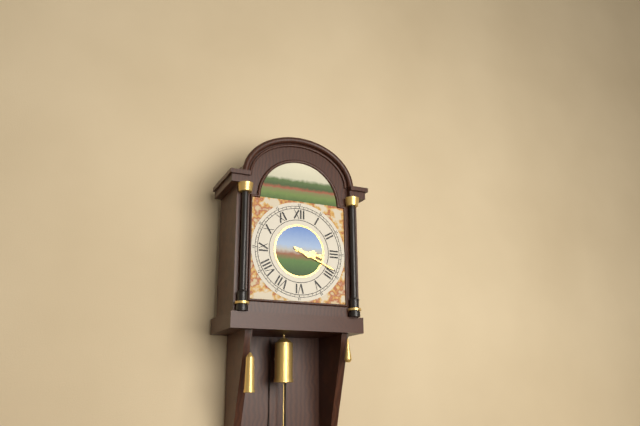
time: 3:19
